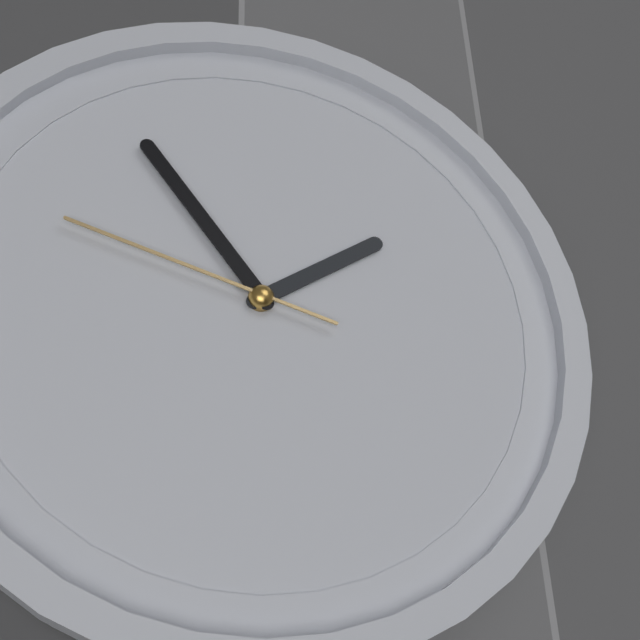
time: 1:54:48
